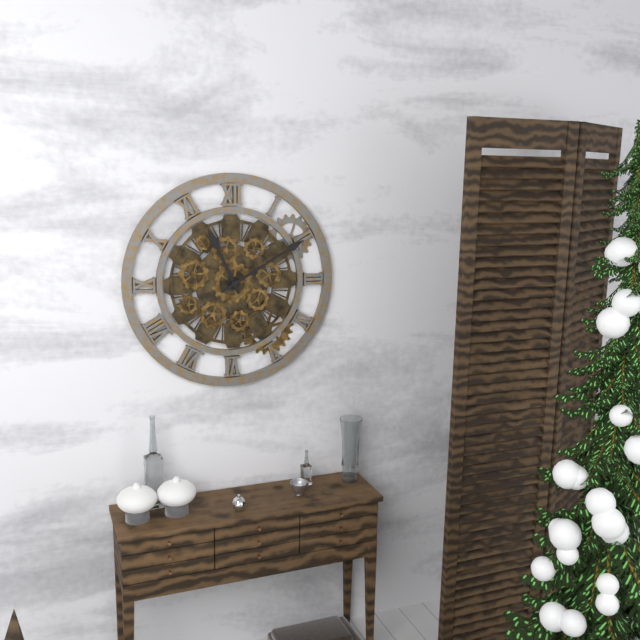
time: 11:10
